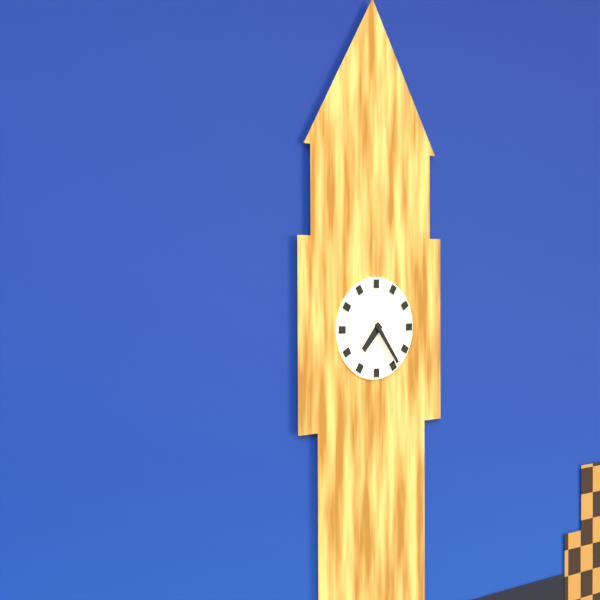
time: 7:24
